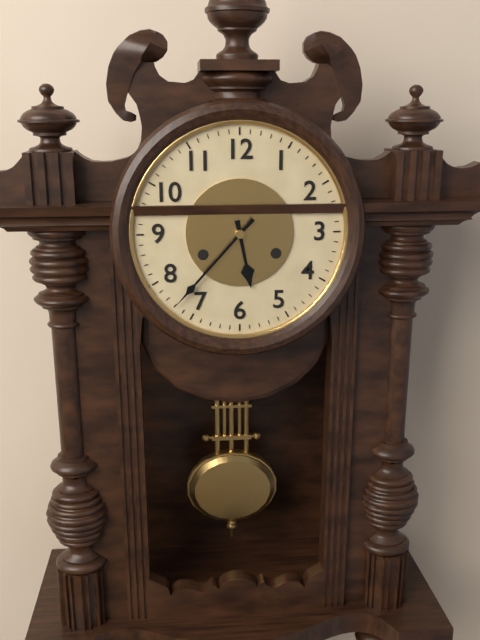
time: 5:37
